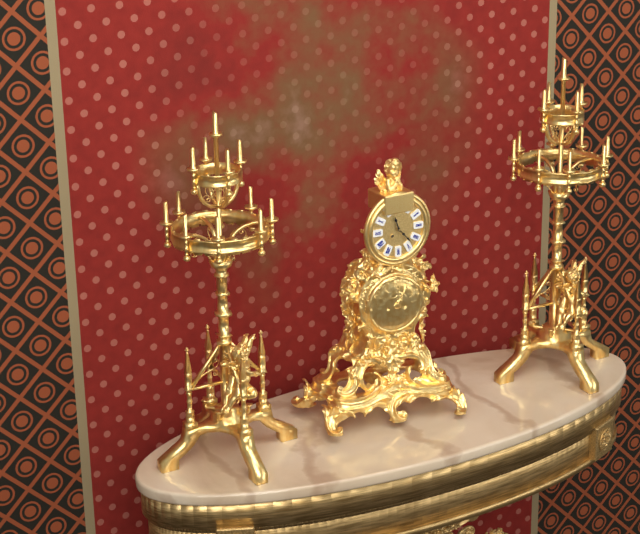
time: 11:23
